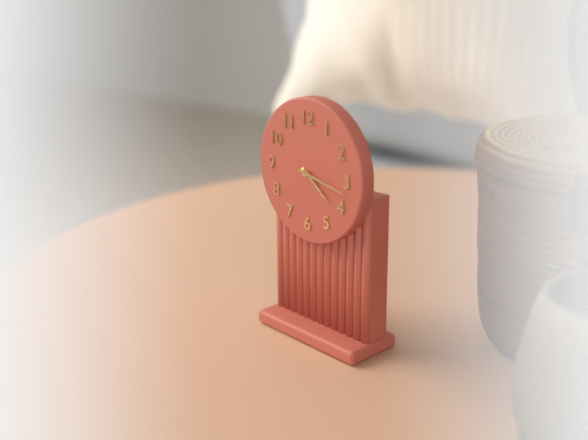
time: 4:17
